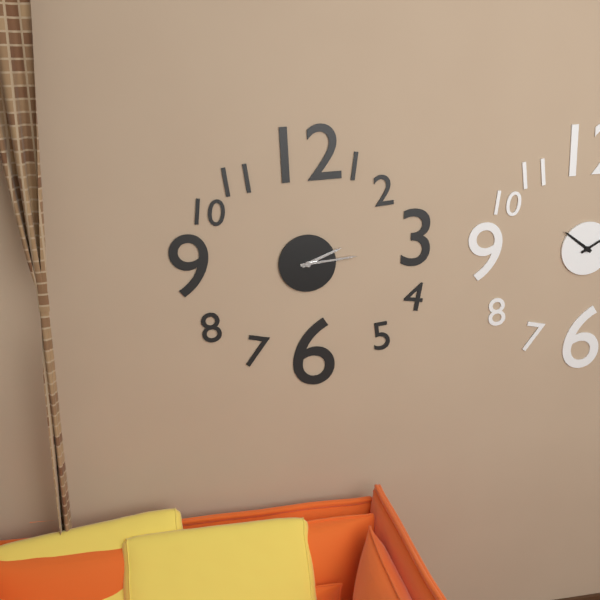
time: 2:14
